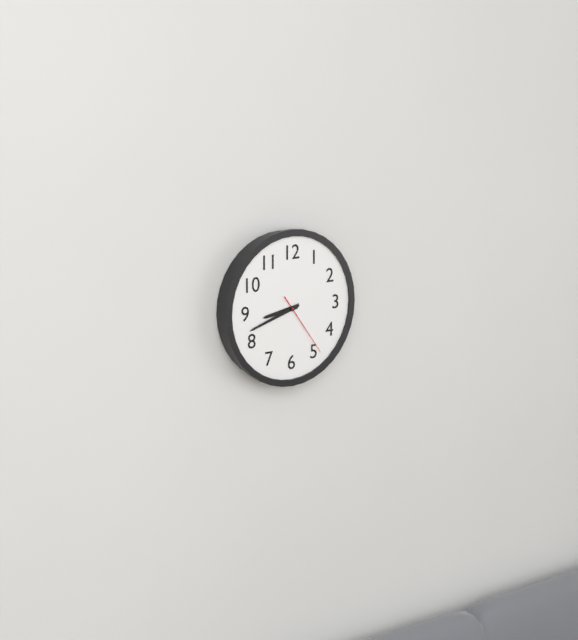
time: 8:42:24
